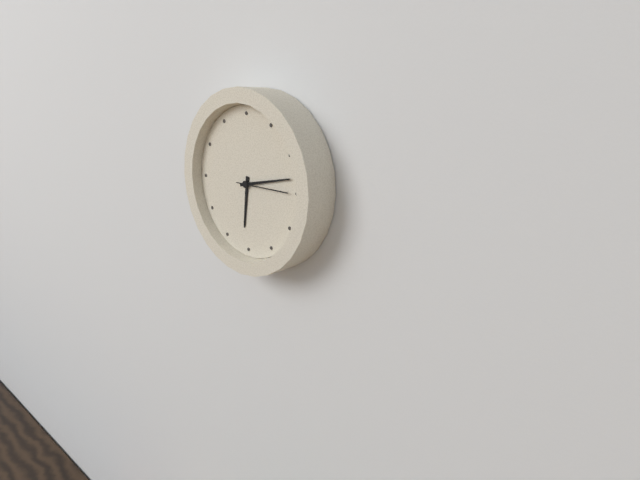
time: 6:13:15
